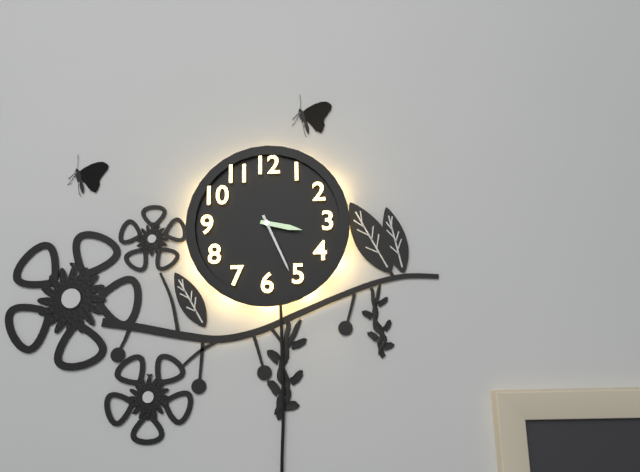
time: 3:26
